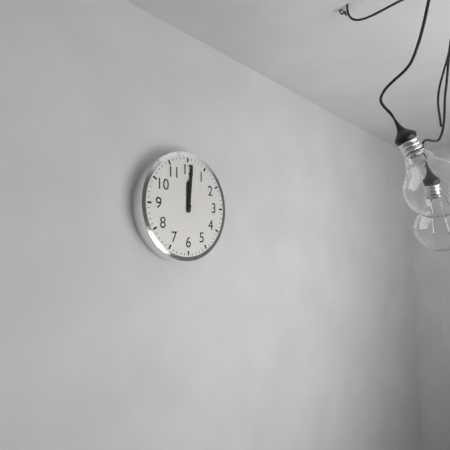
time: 12:01
